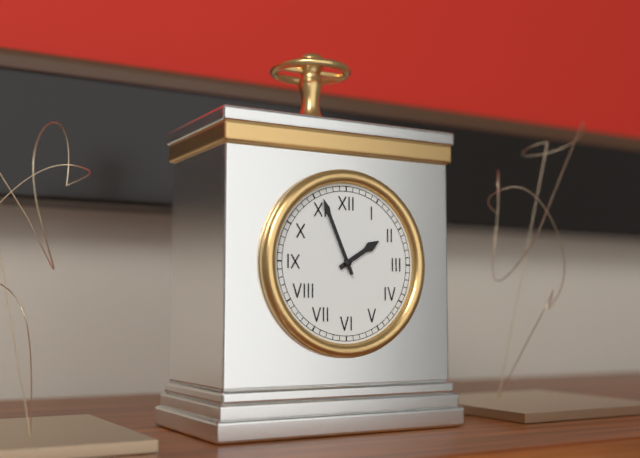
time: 1:56
